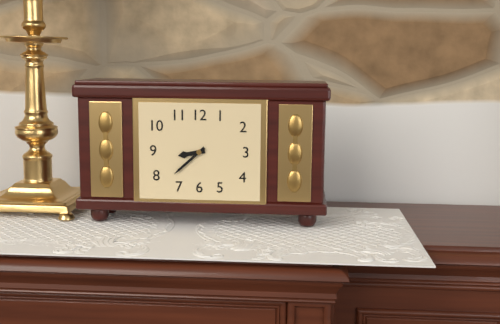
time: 8:38
